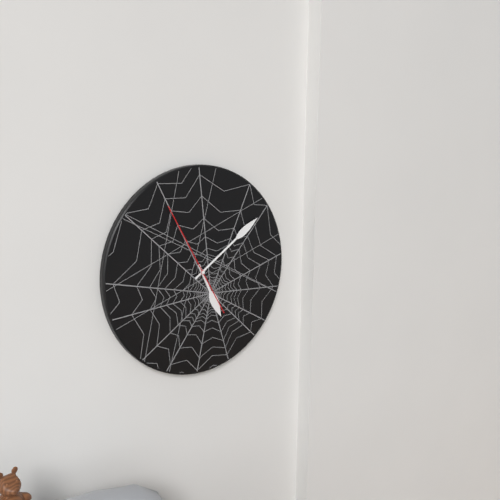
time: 5:09:55
